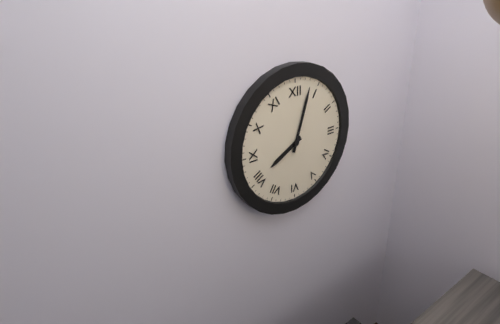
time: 8:03
